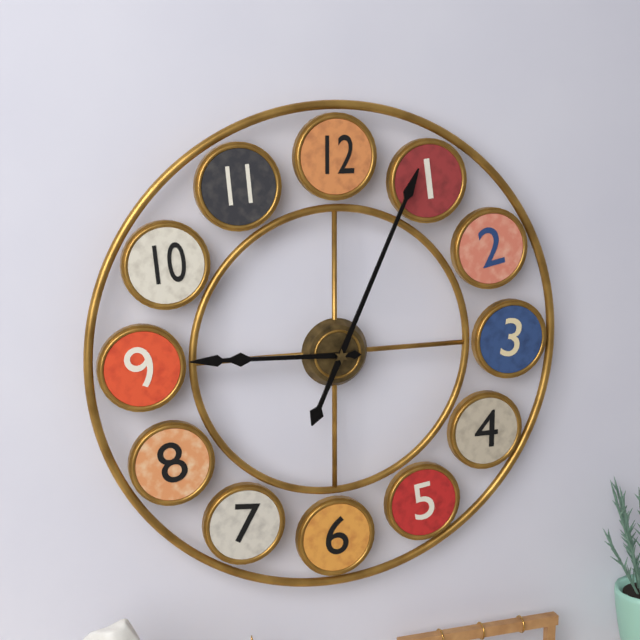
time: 9:04
